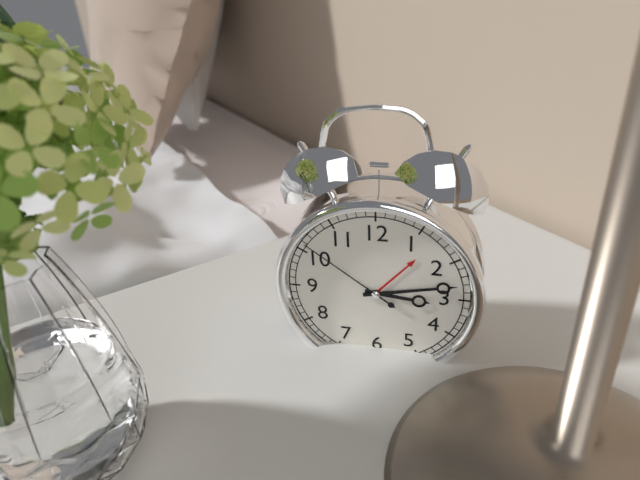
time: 3:13:51
